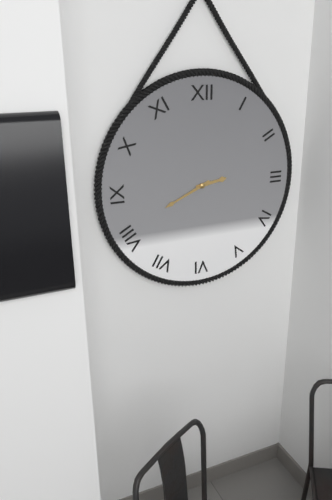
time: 2:41
